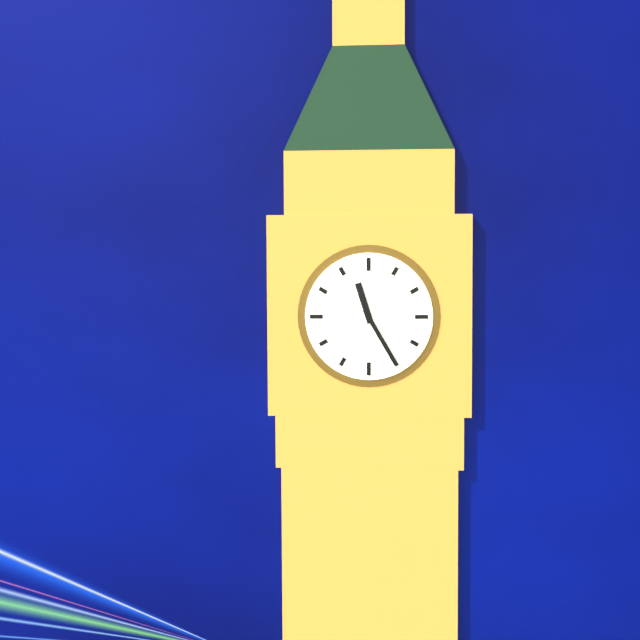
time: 11:25
